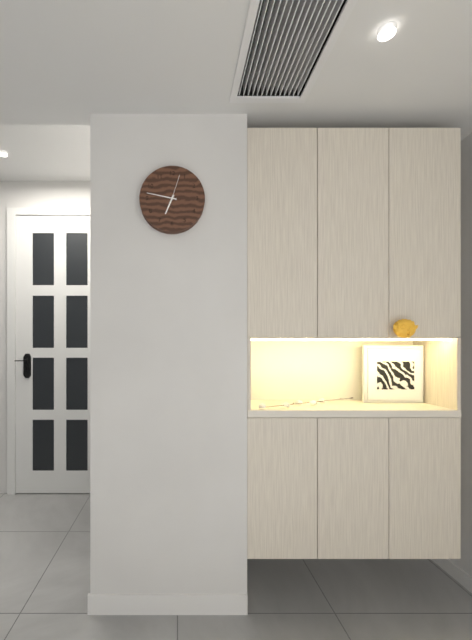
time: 6:47
